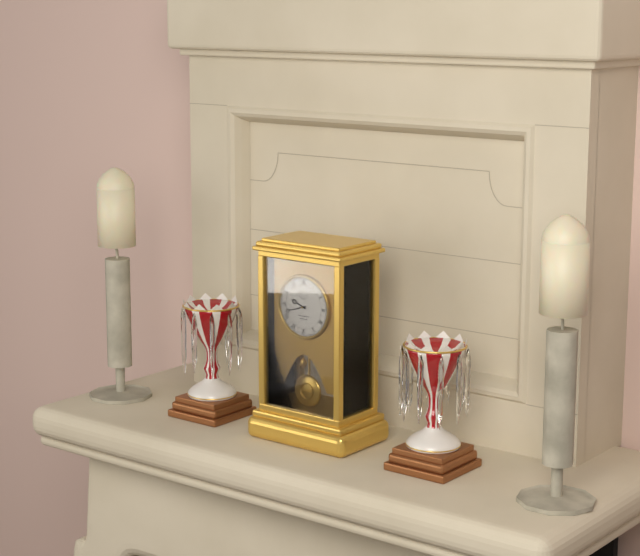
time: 9:42
